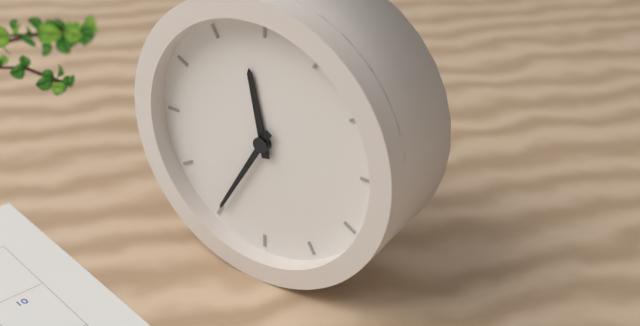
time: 11:35
